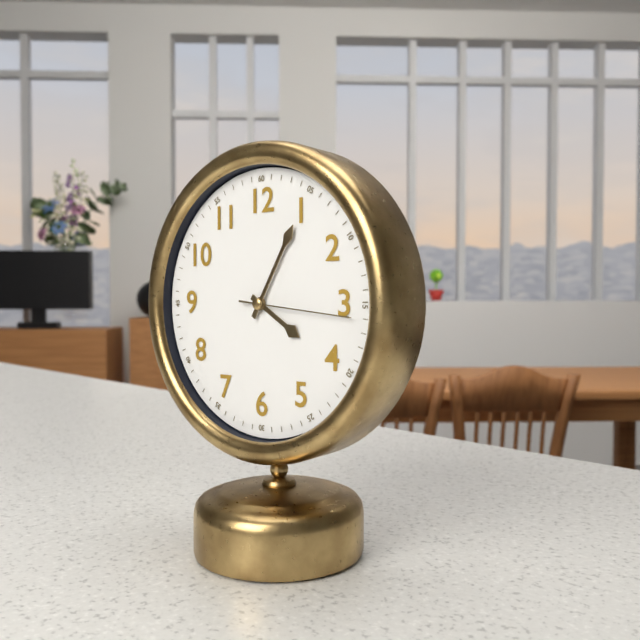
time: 4:05:16
